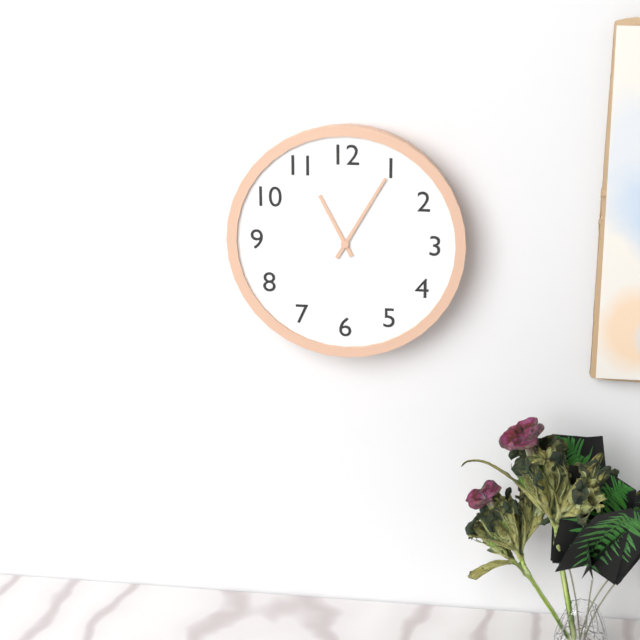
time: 11:05
